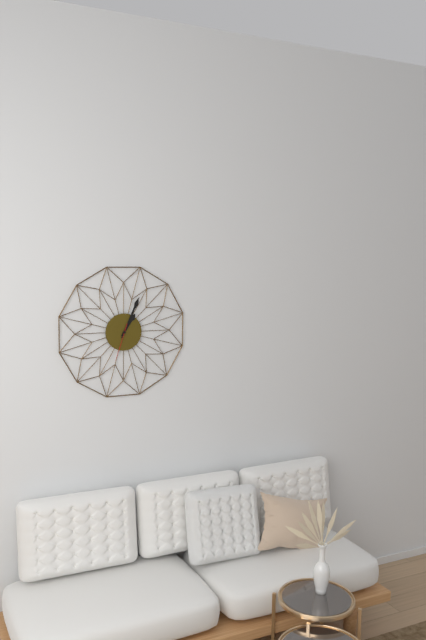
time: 1:04
